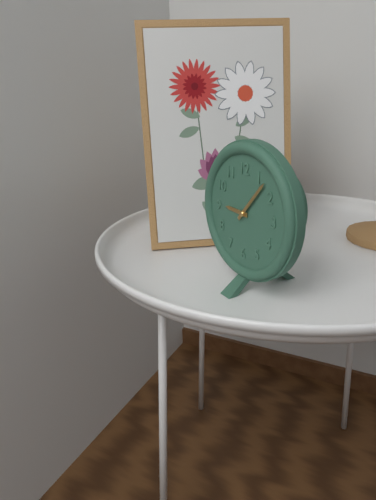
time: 9:07
